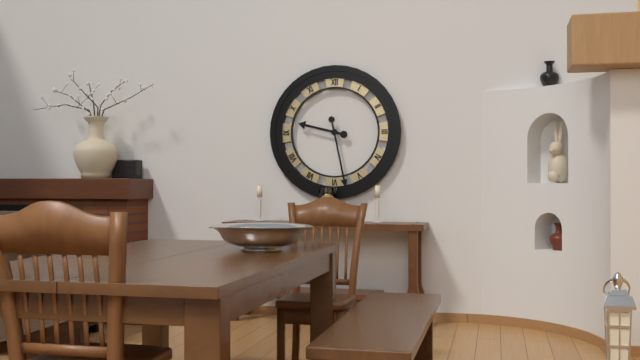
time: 9:28
